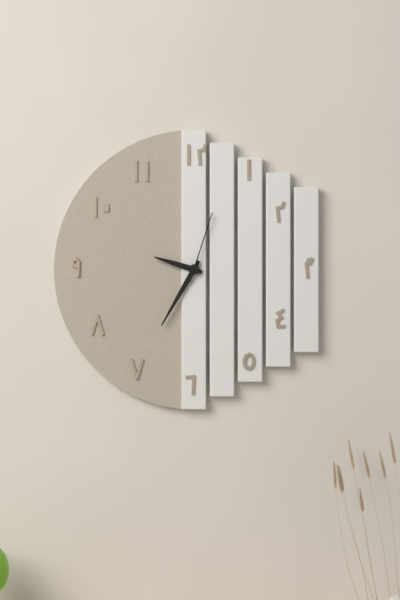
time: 9:35:03
